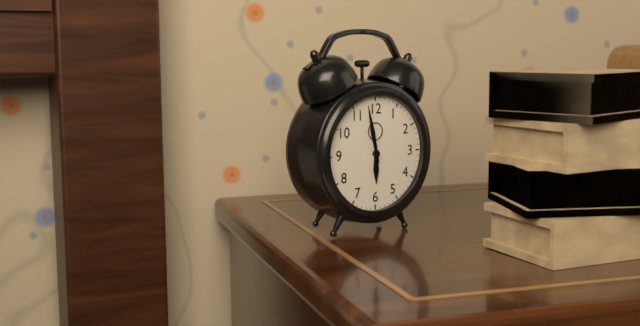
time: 5:58
